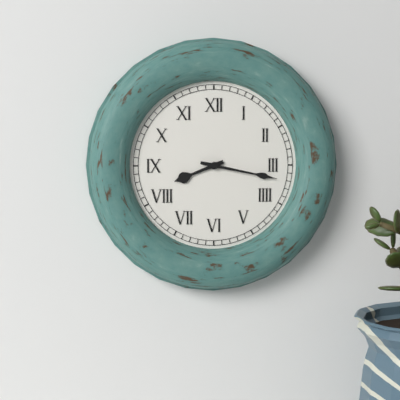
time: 8:17
